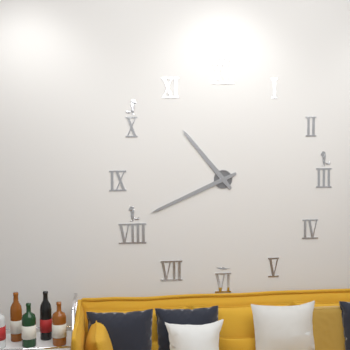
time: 10:41
